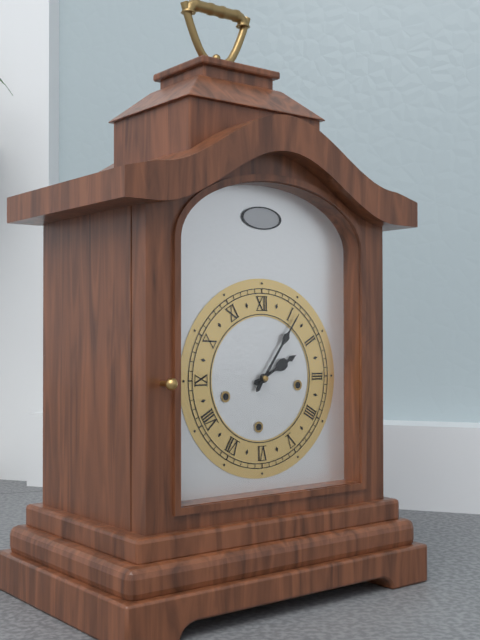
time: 2:06
